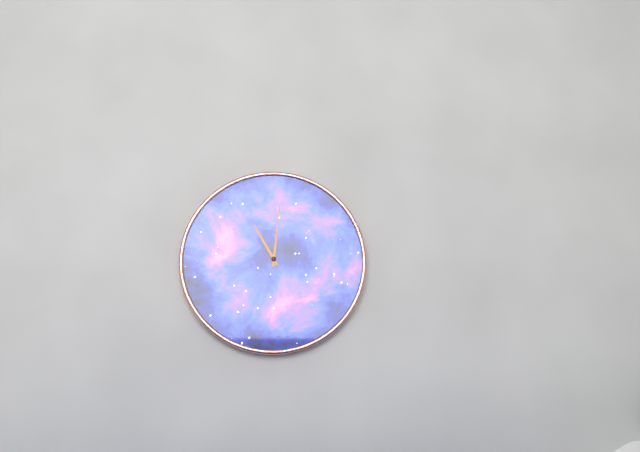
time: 11:01
